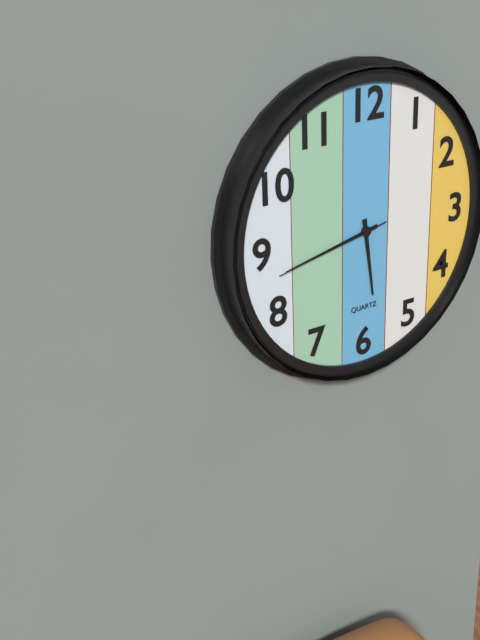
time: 5:43:43
